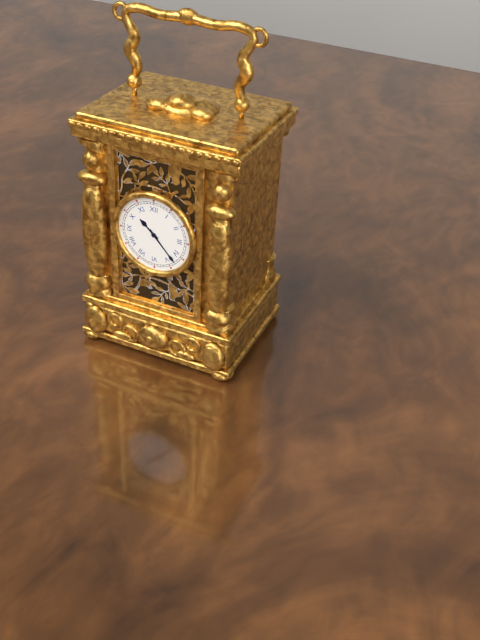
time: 10:23
